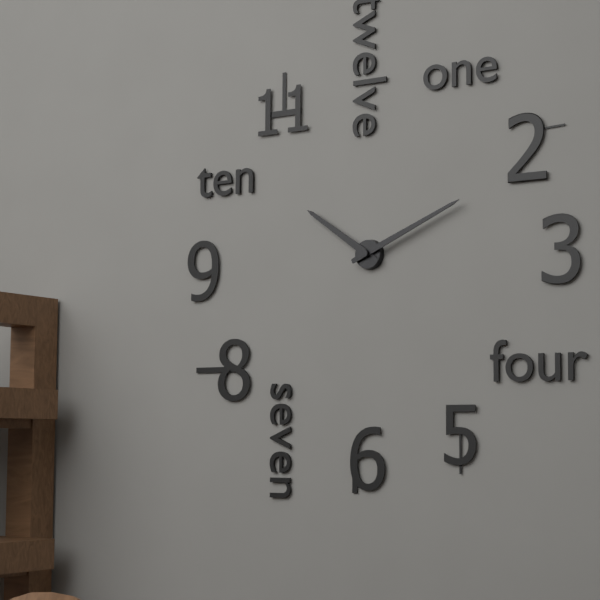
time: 10:11
